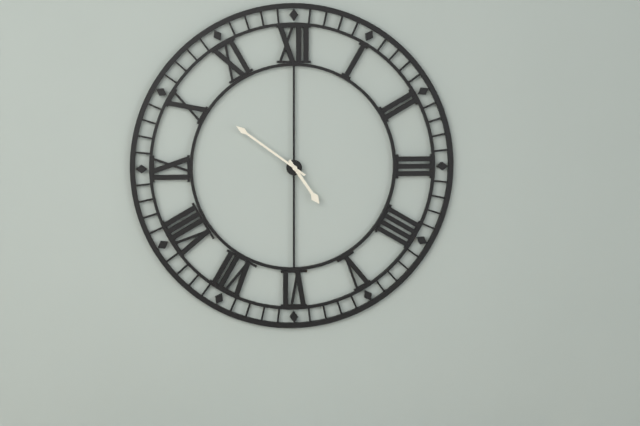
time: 4:51
